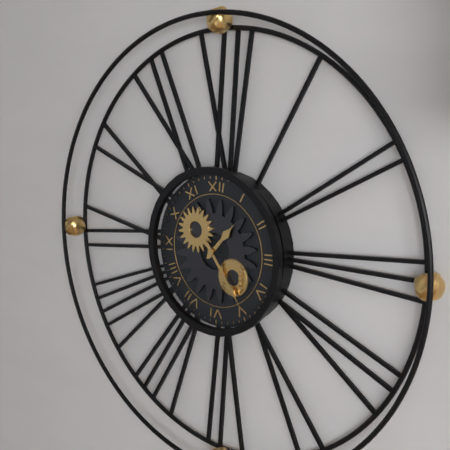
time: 1:24
